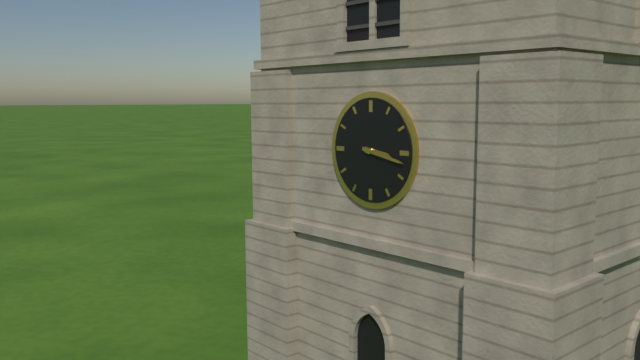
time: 3:17
